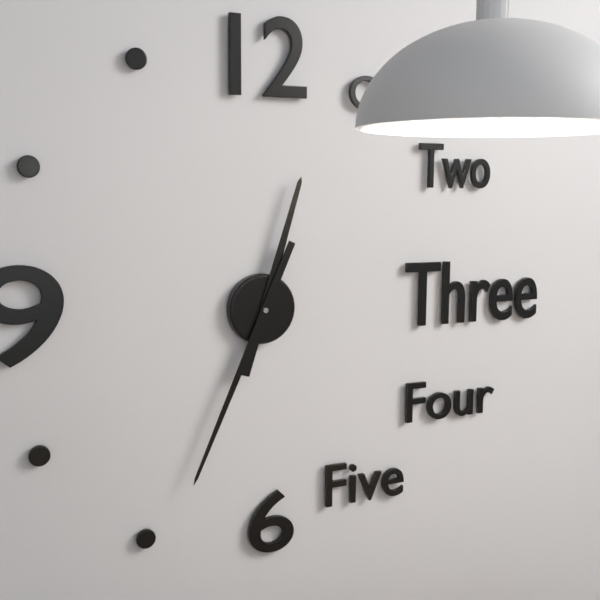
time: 12:34
